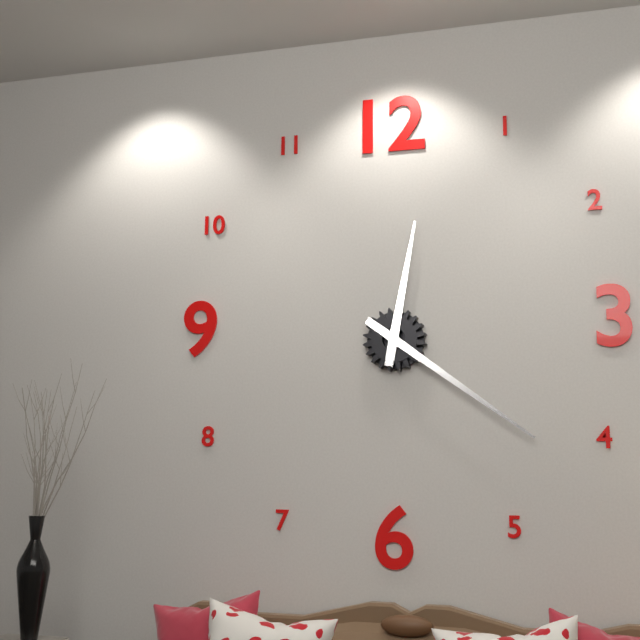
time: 12:21
